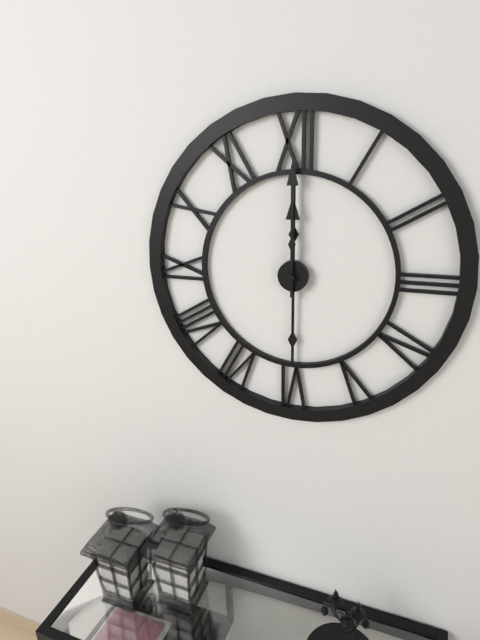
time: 12:00
